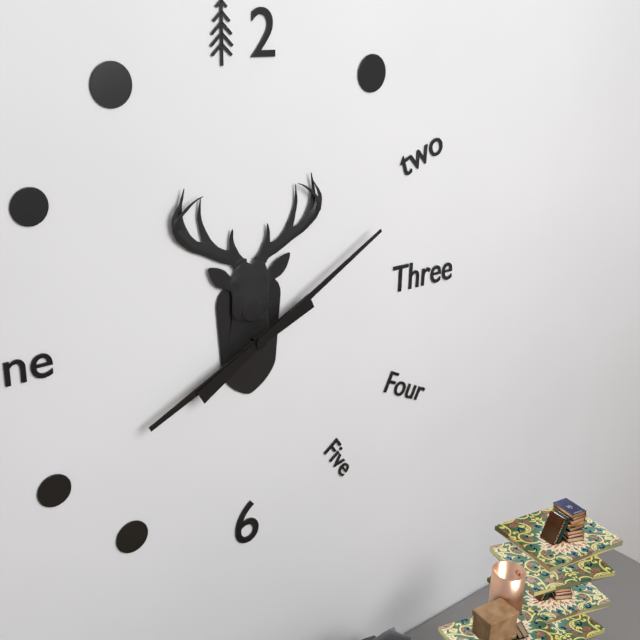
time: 8:10
